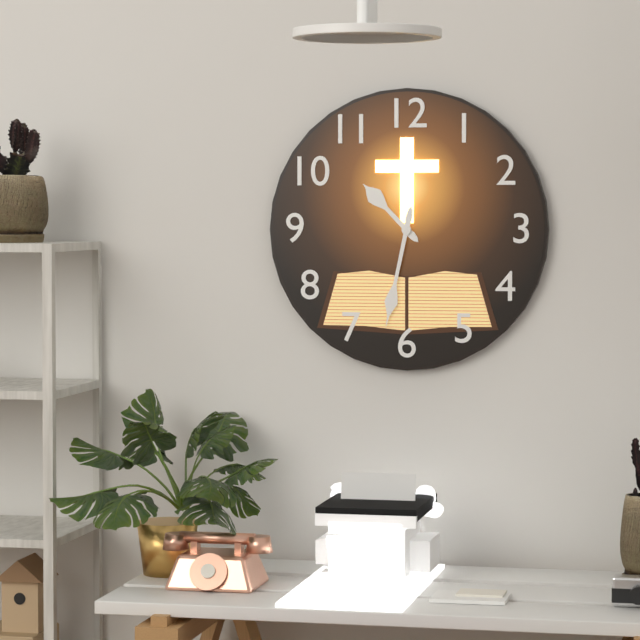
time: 10:32
